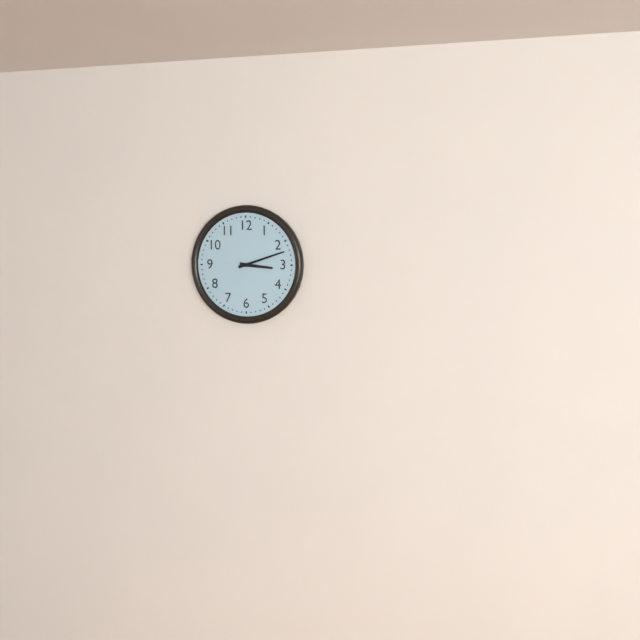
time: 3:12
